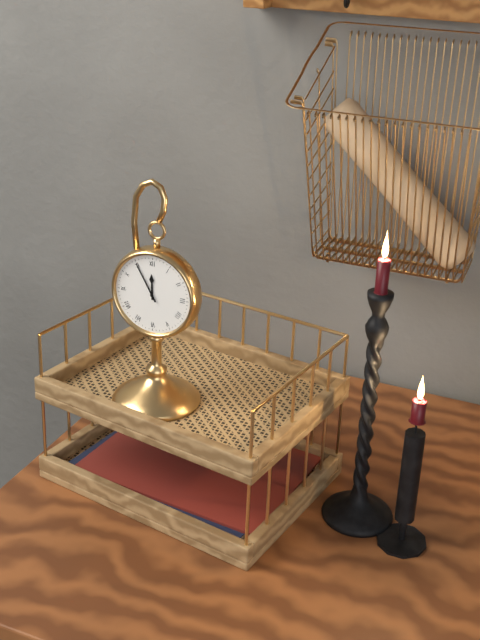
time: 11:55
